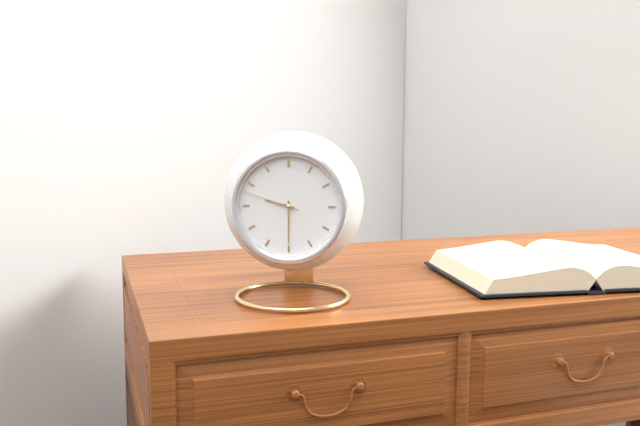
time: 9:30:48
